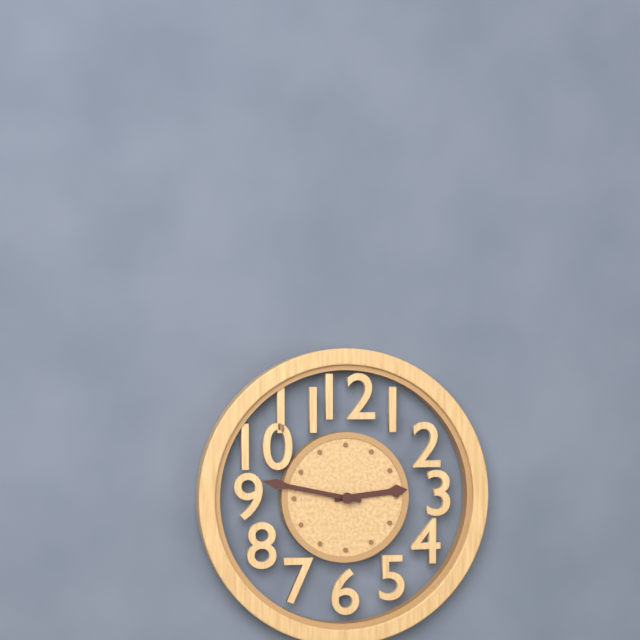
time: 2:47
